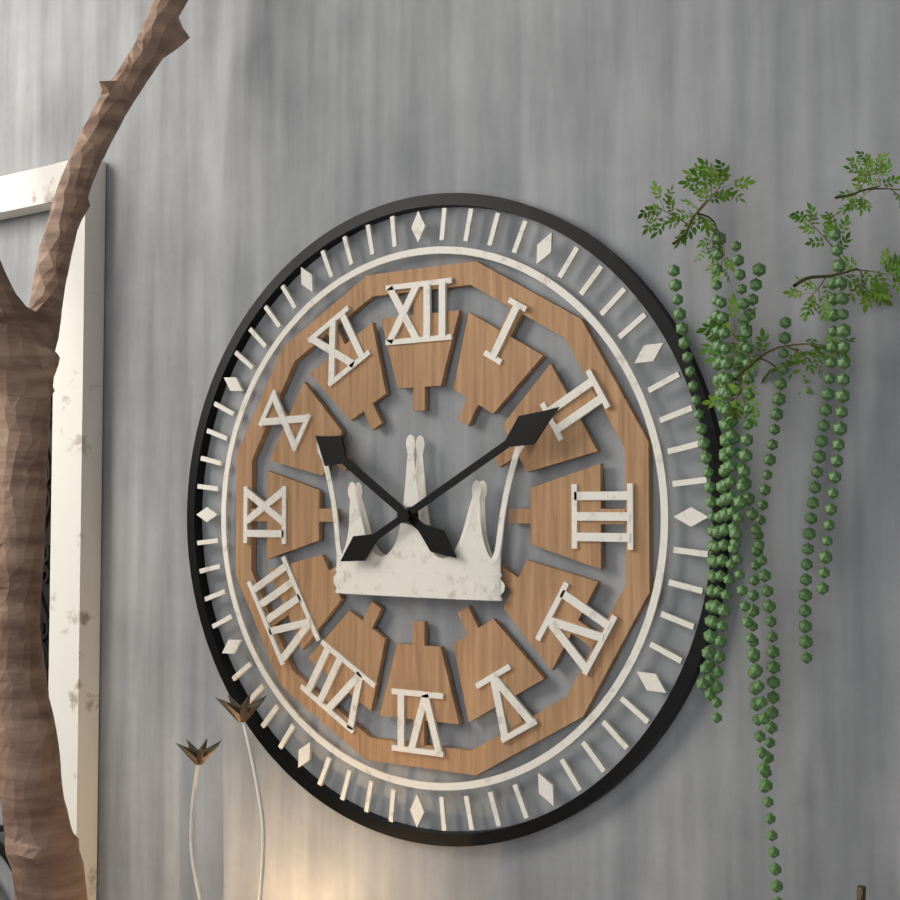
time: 10:10
